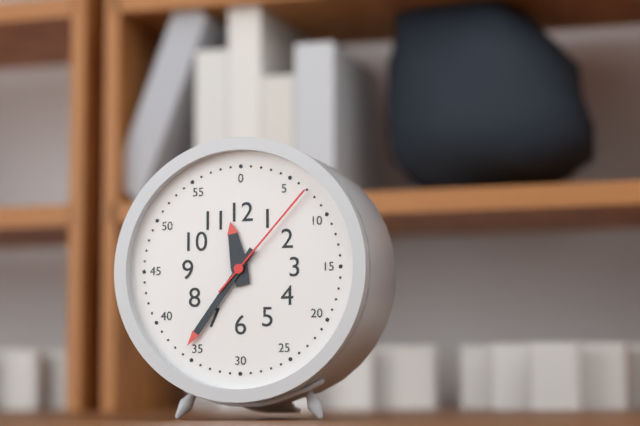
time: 11:36:07
